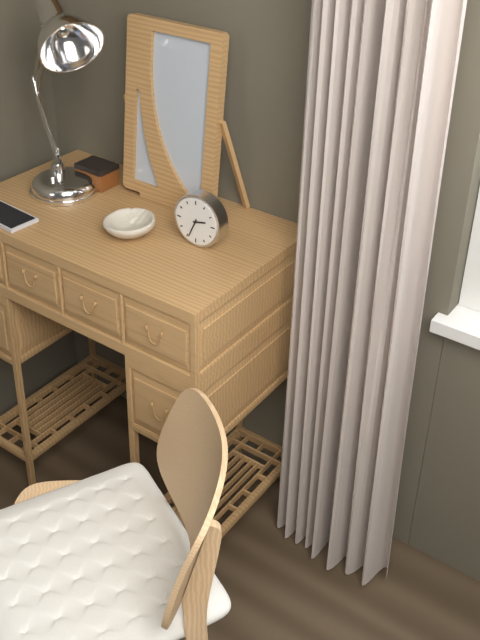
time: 2:34
